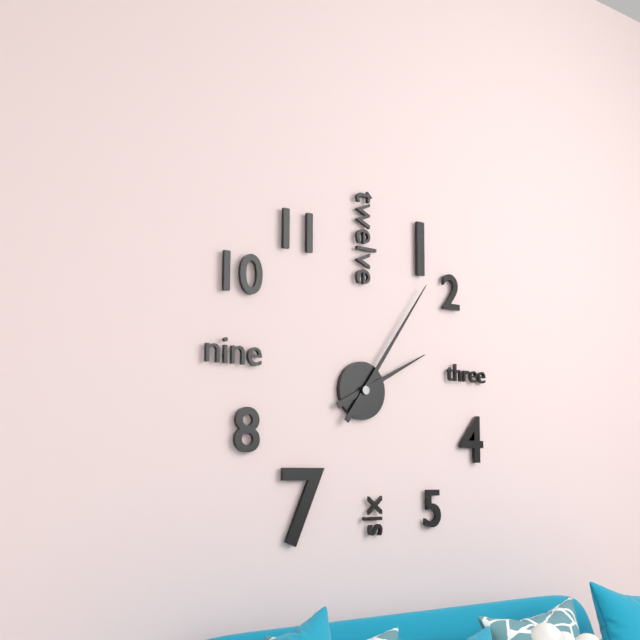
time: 2:06
